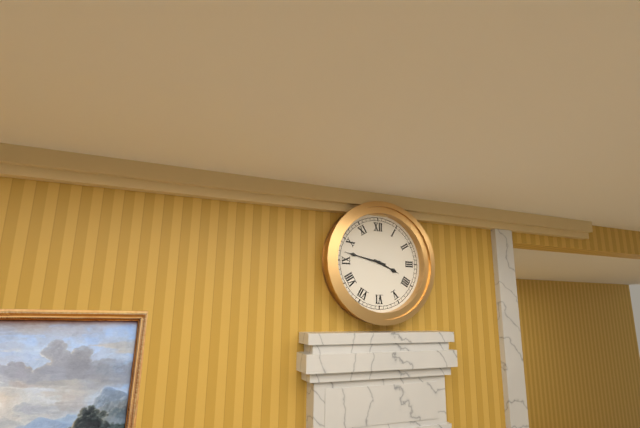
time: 3:47
